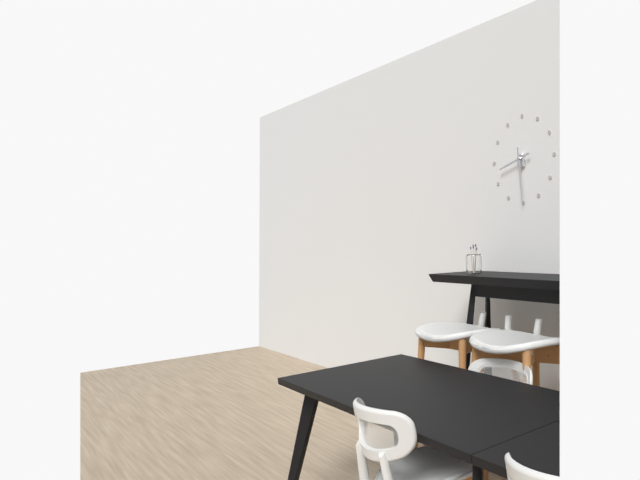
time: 8:29
